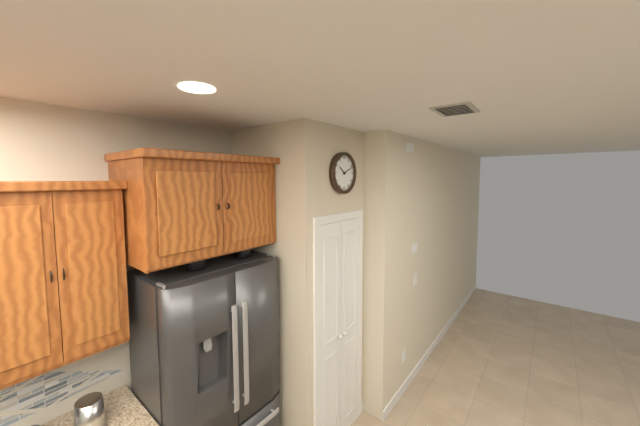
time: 10:11
